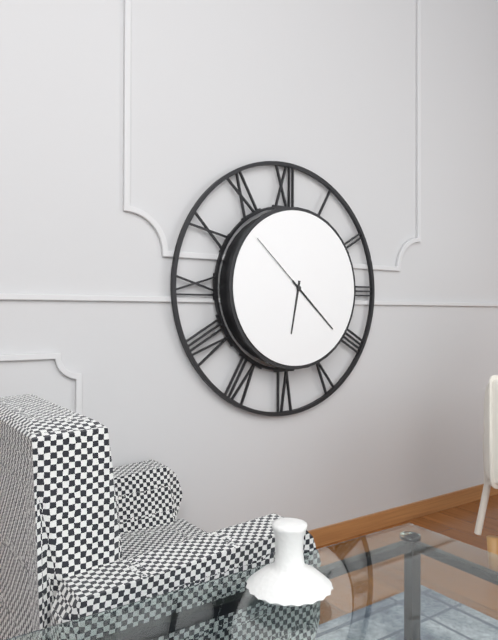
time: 6:22:52
